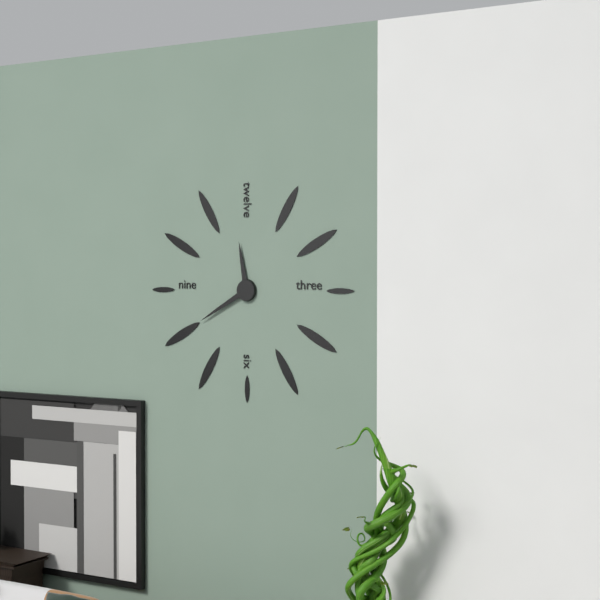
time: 11:40
